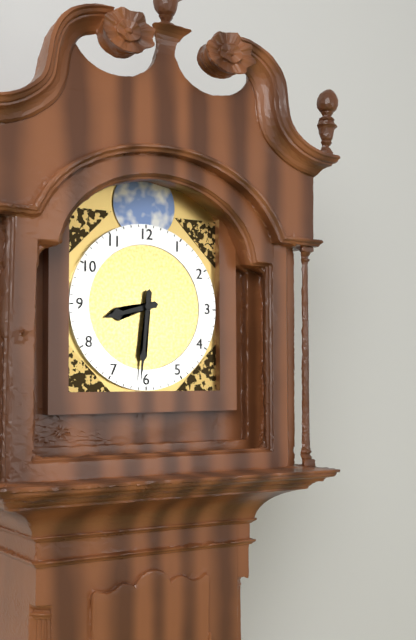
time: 8:31
